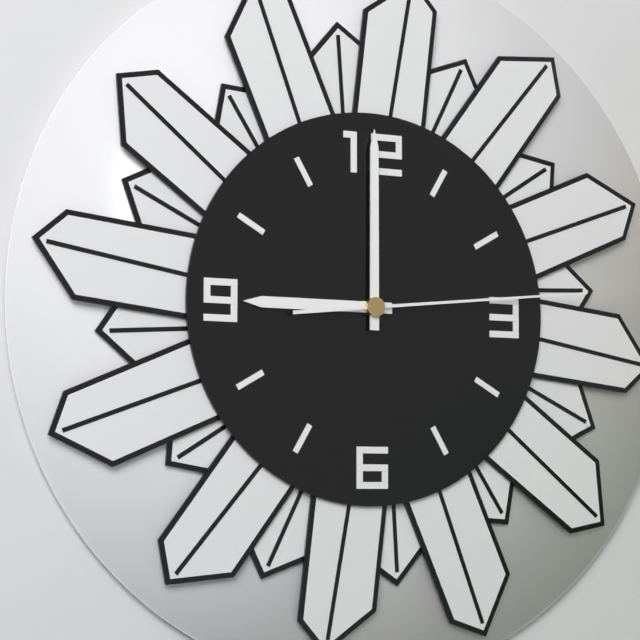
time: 9:00:14
